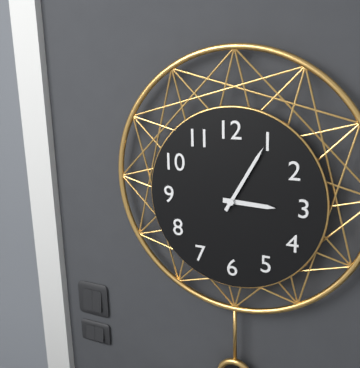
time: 3:05
